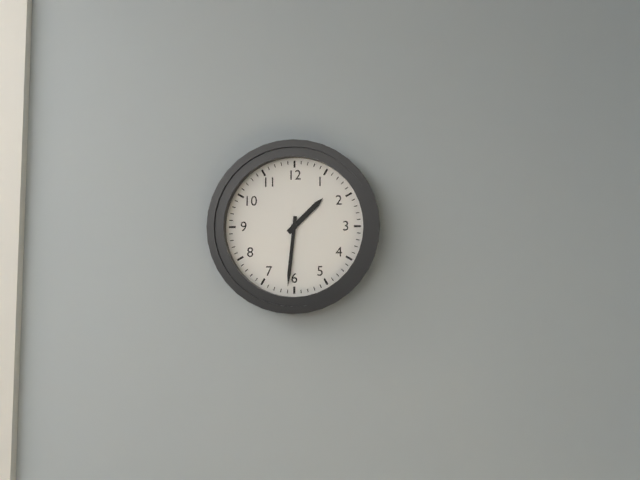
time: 1:31
